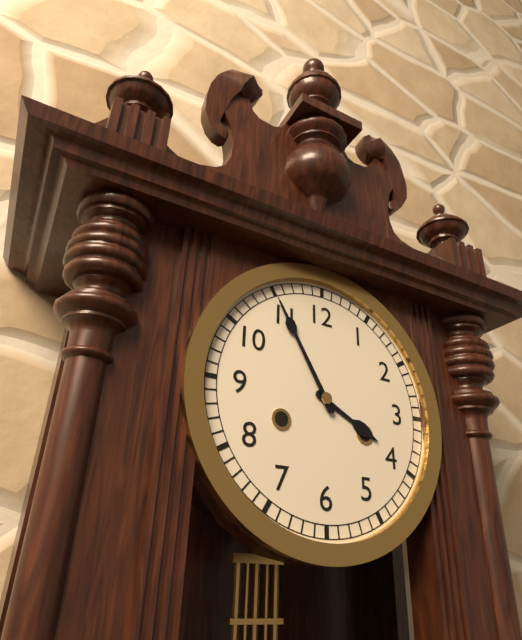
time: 3:55
